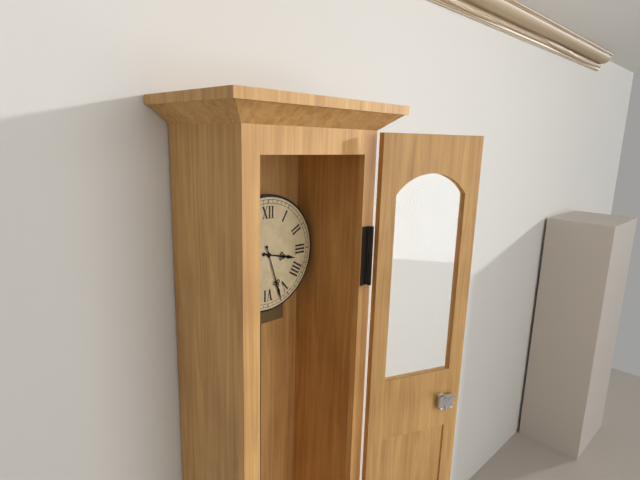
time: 3:27
